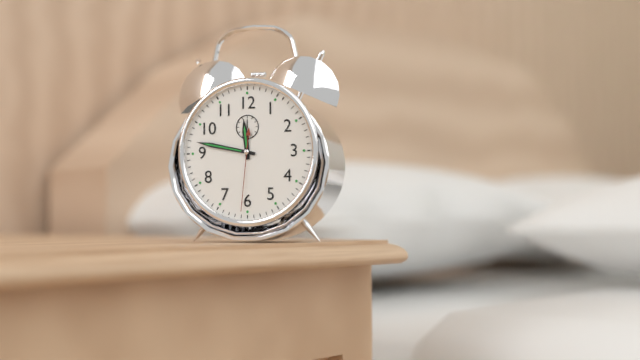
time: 11:47:31
